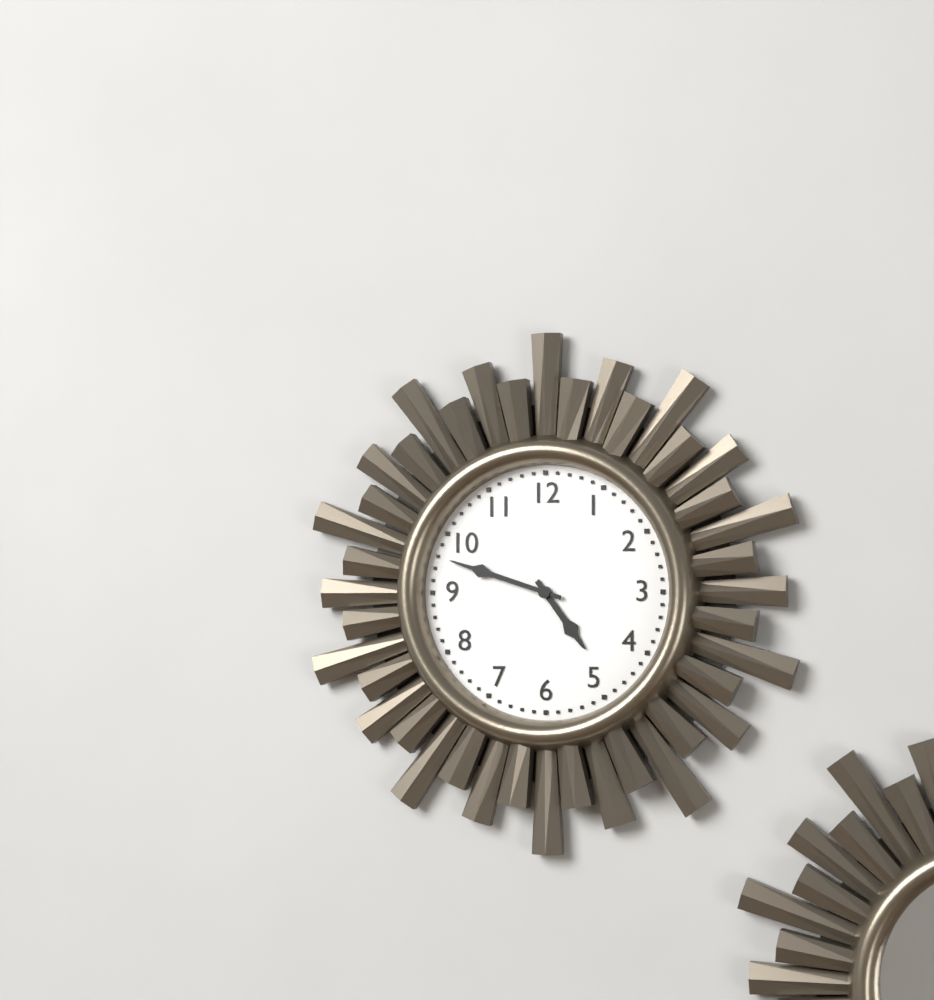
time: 4:48
